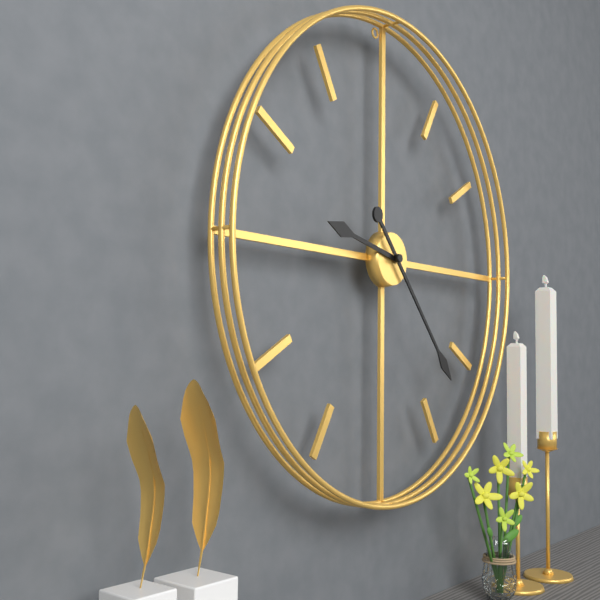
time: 9:23
